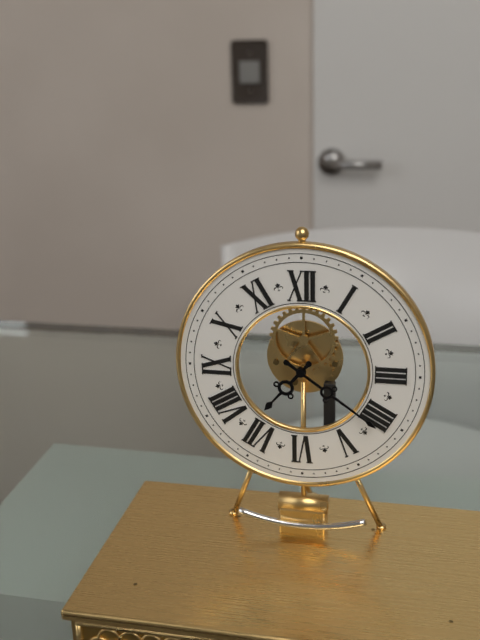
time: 7:21
